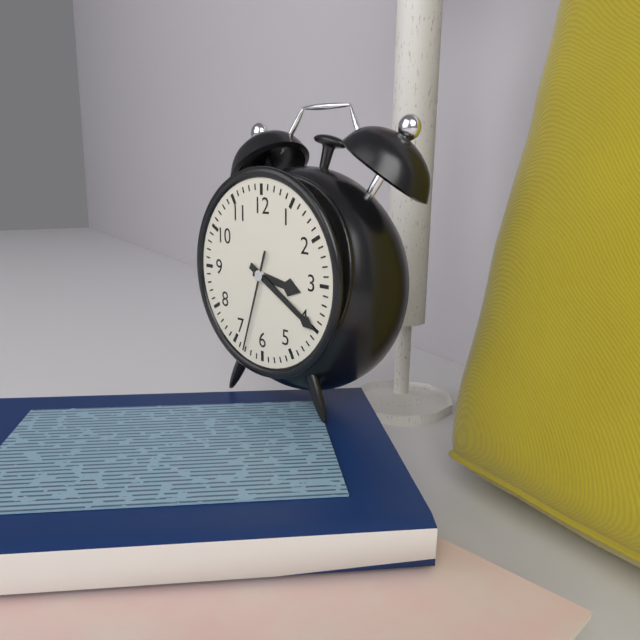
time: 3:20:33
